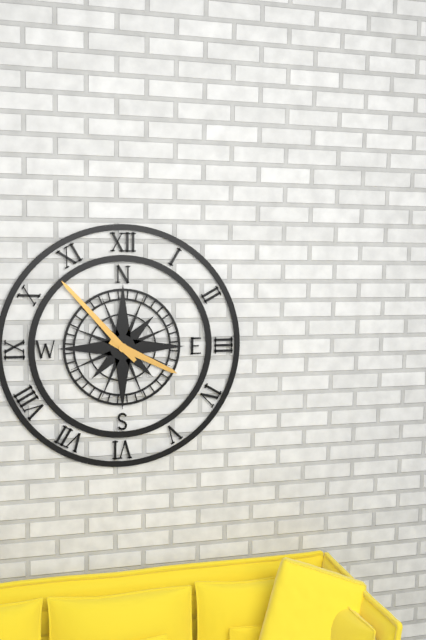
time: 3:53
